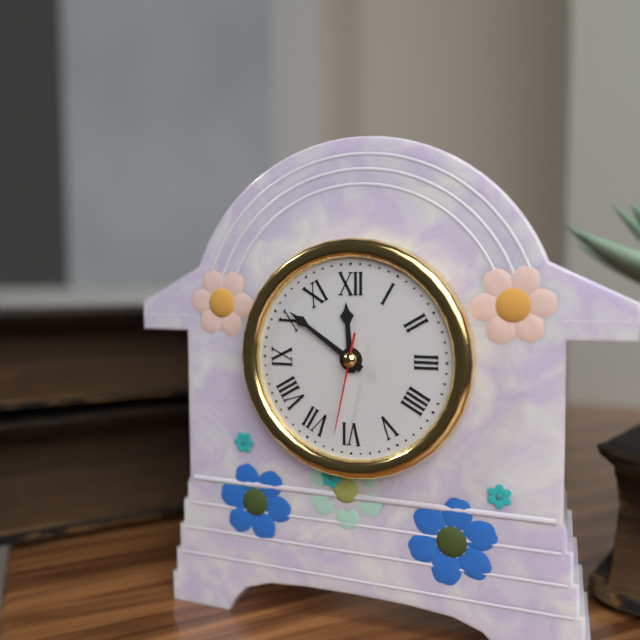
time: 11:51:32
